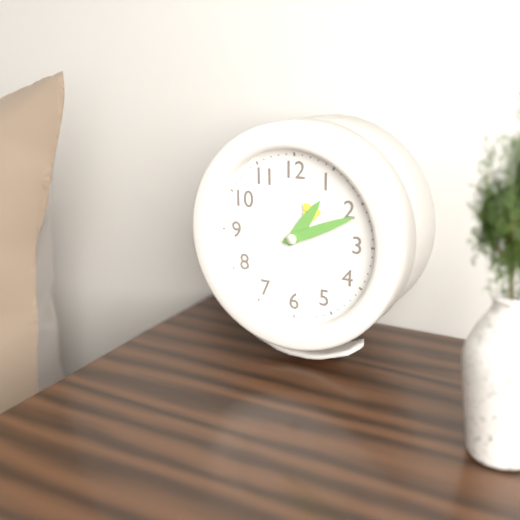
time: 1:11
